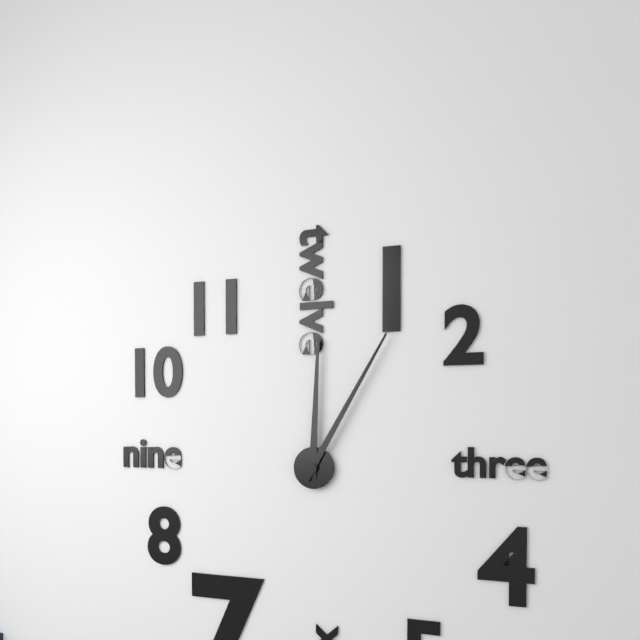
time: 12:05
